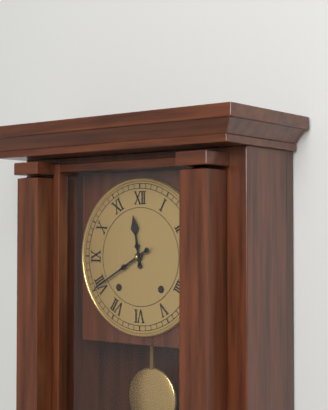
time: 11:40
